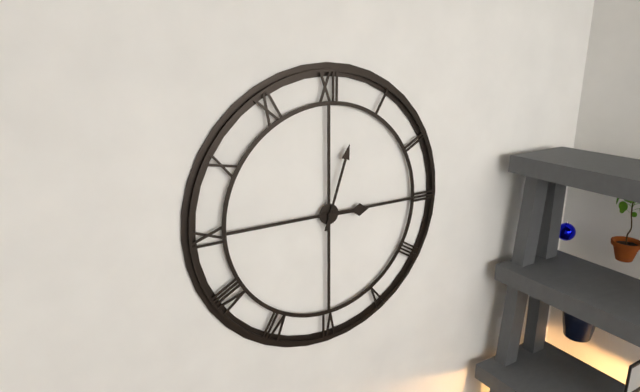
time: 3:03
